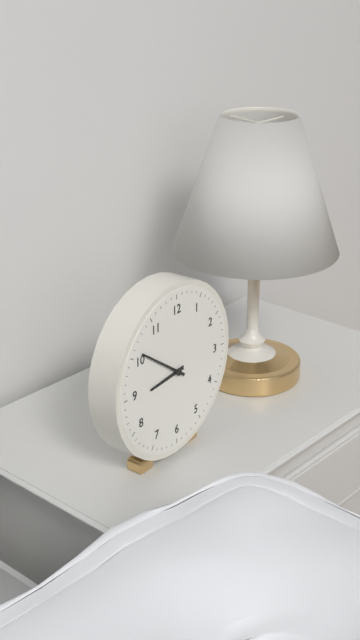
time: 8:51
